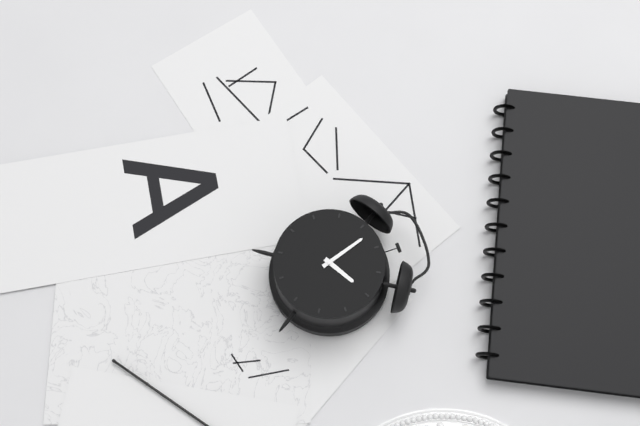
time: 1:57
